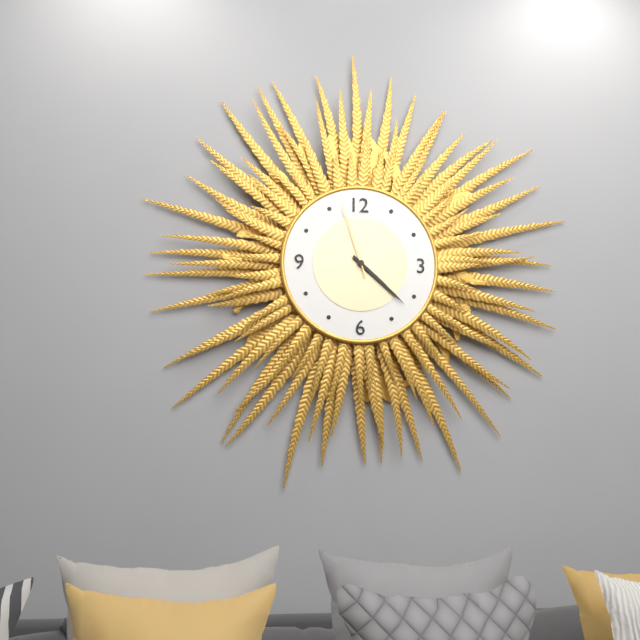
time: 4:22:57
